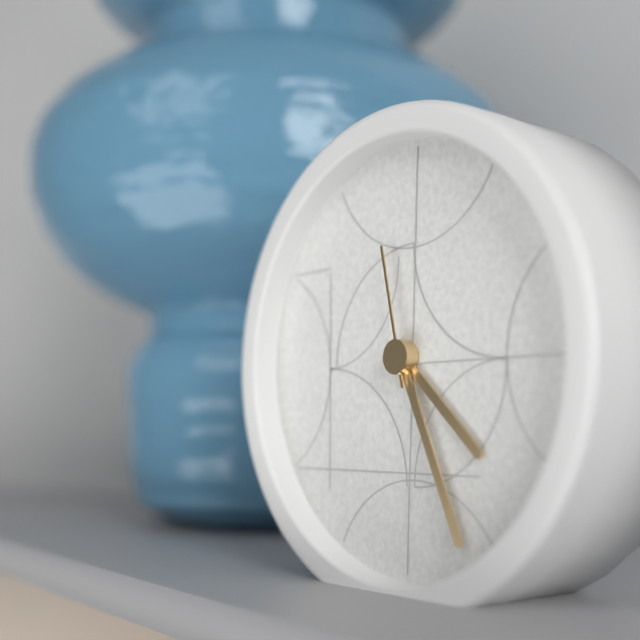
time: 4:26:58
